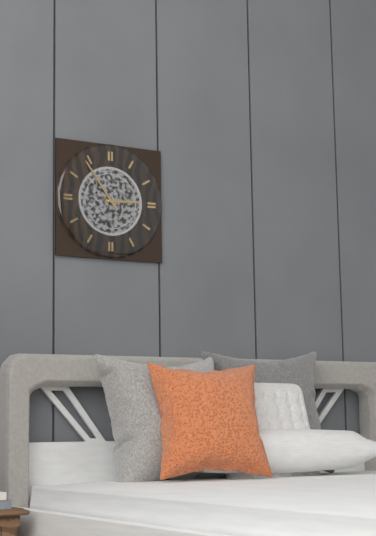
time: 2:54
